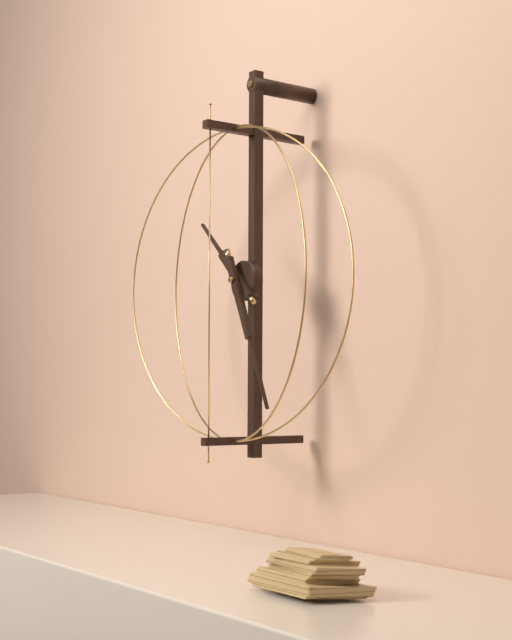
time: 10:26
